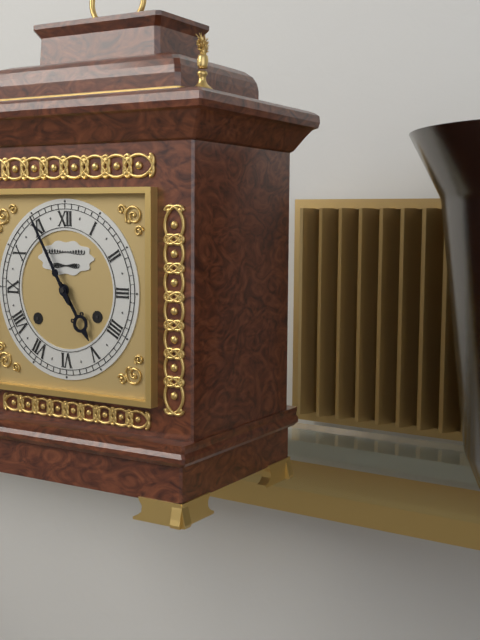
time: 4:55
